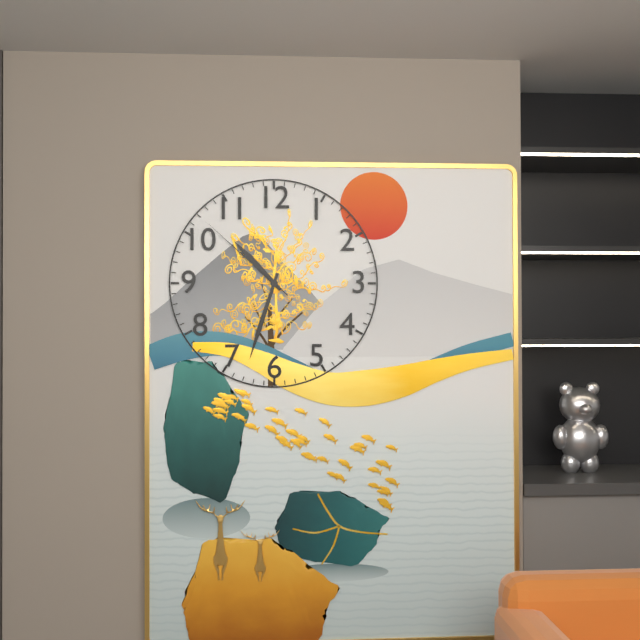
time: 10:33:52
